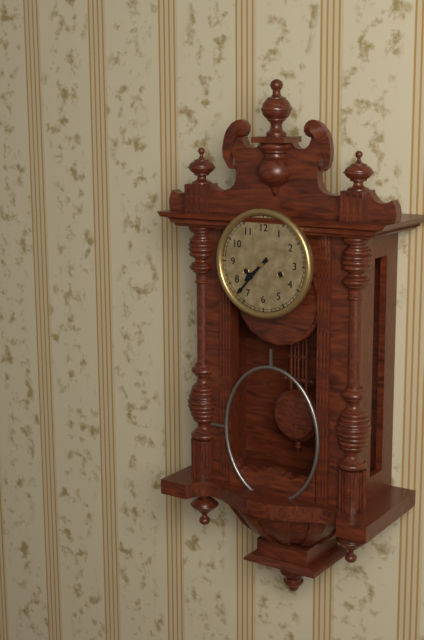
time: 7:37
